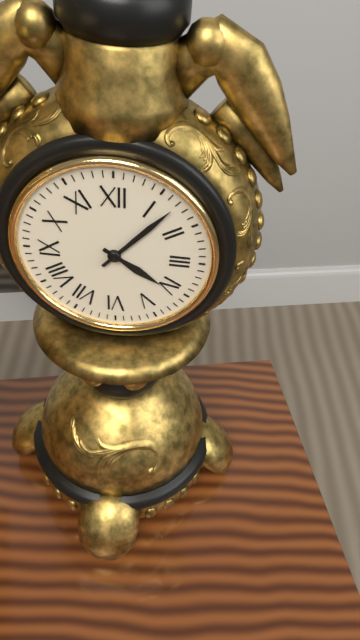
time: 4:07
